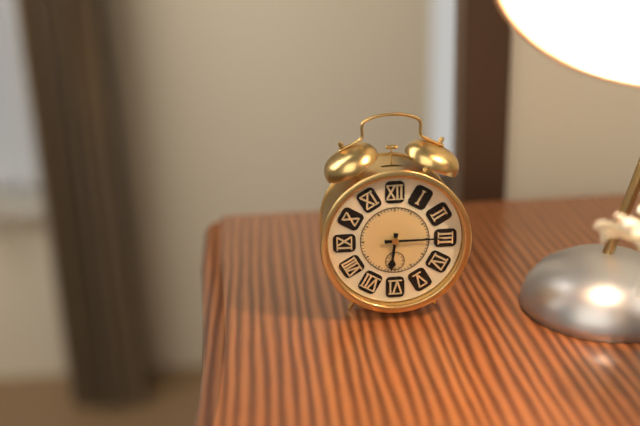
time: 6:15
